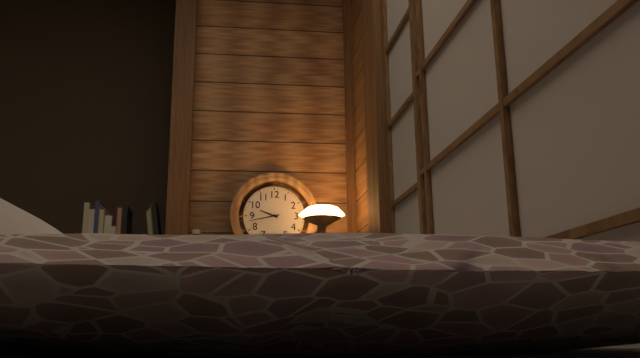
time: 9:43
